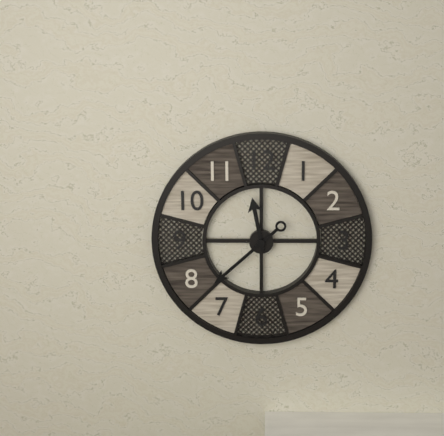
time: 11:38
